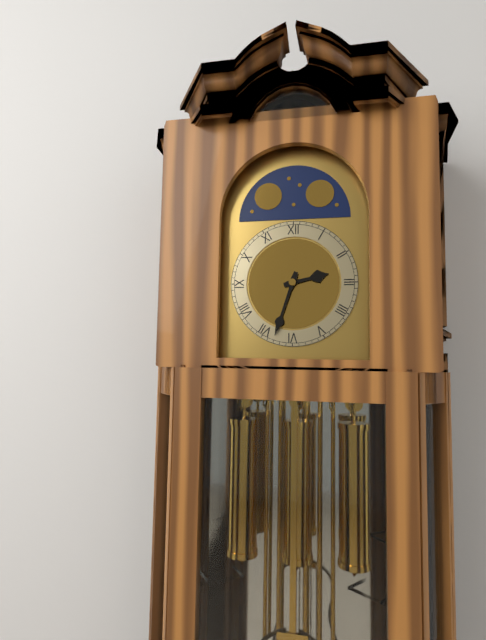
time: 2:33
